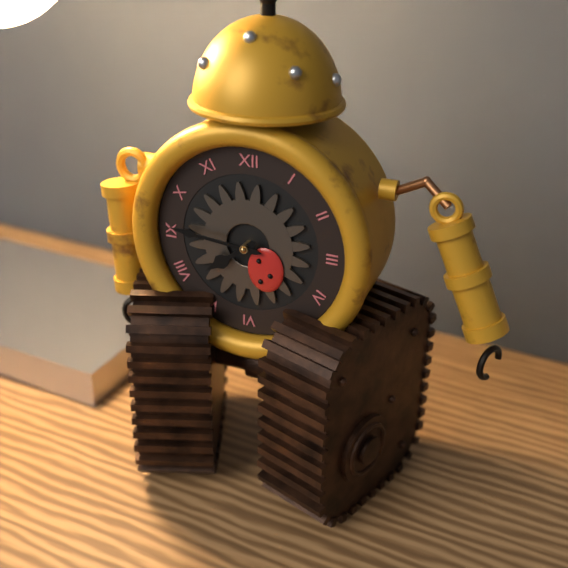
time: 7:46
